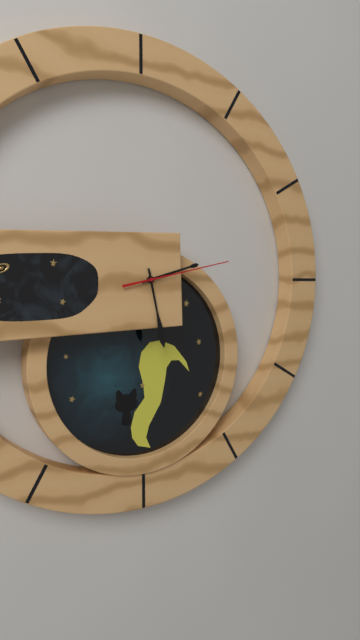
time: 2:28:13
